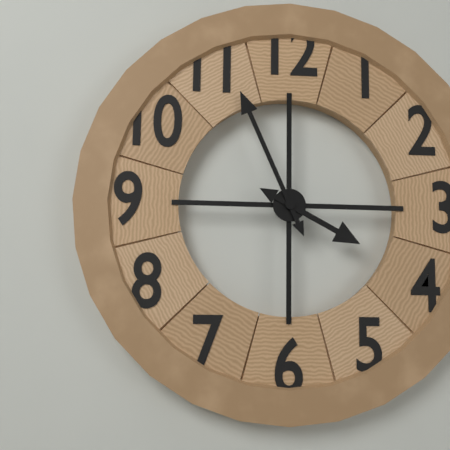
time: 3:56
